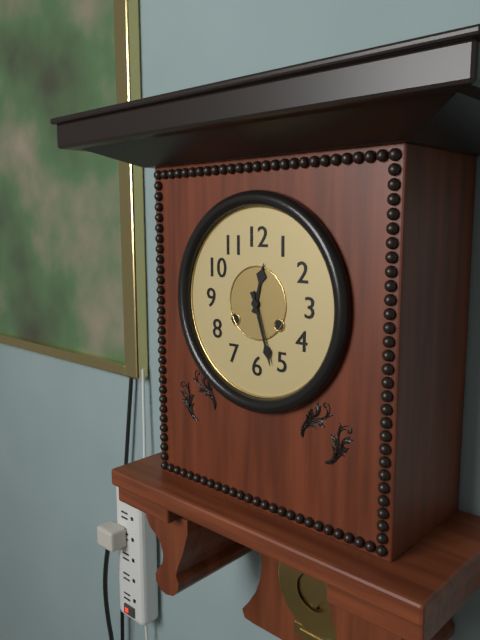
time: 12:27
